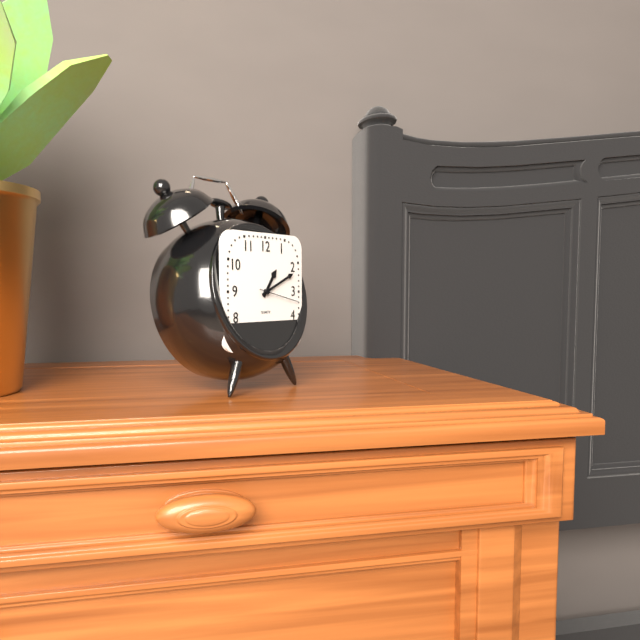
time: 1:11
